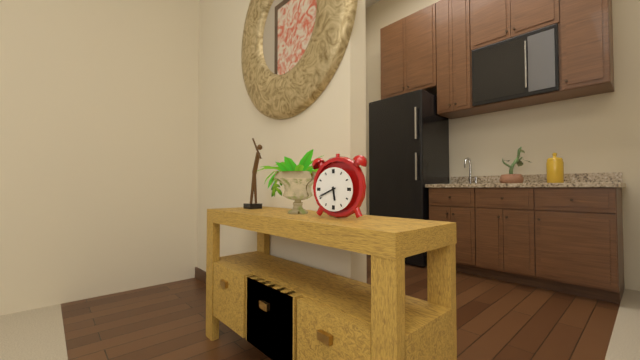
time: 5:41
